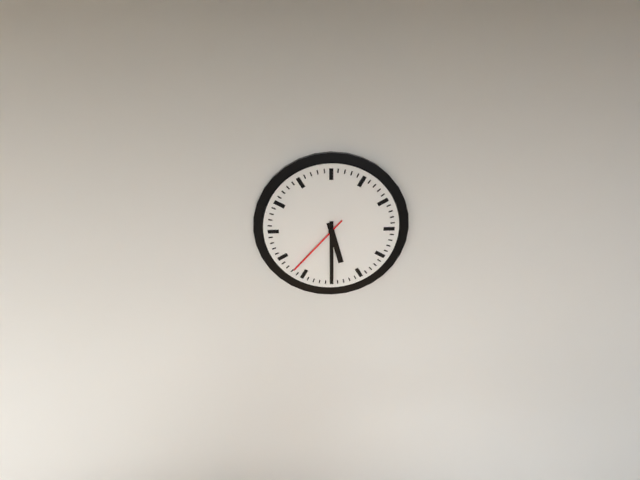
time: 5:30:37
